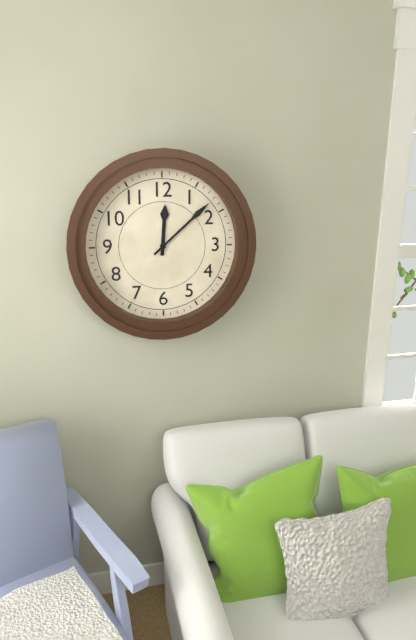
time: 12:08
